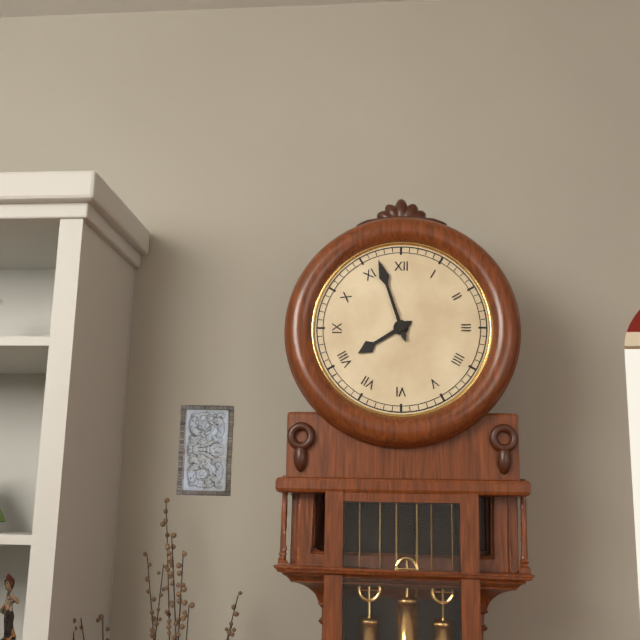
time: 7:57
